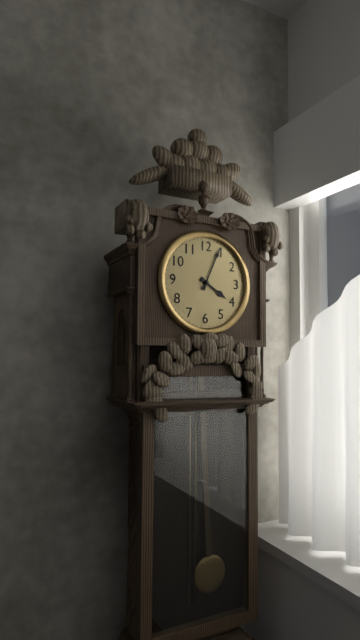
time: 4:04
